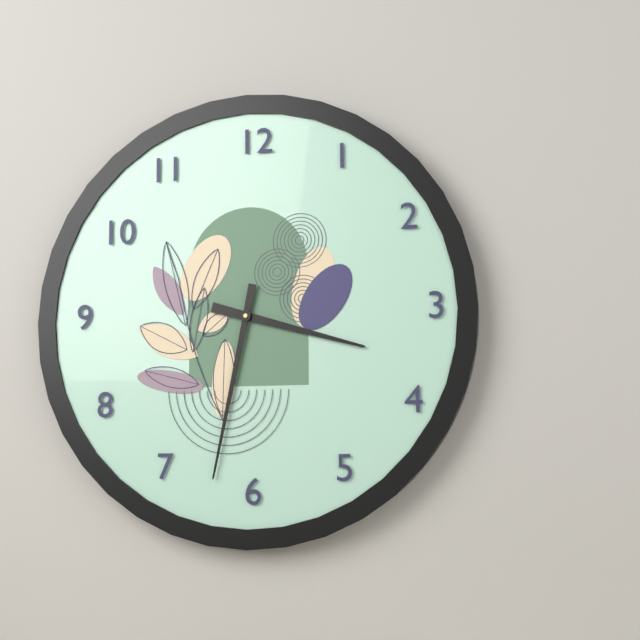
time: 3:32
